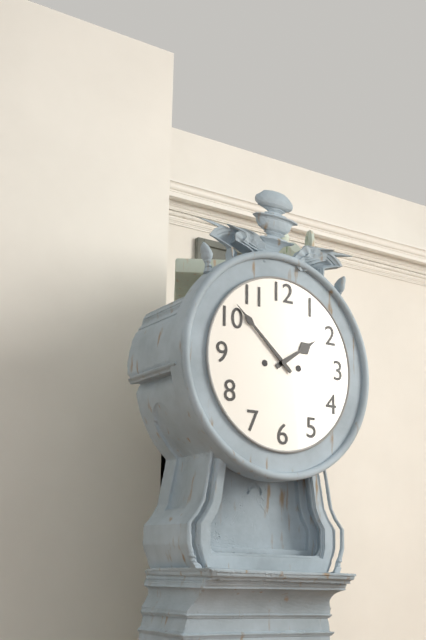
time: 1:52
